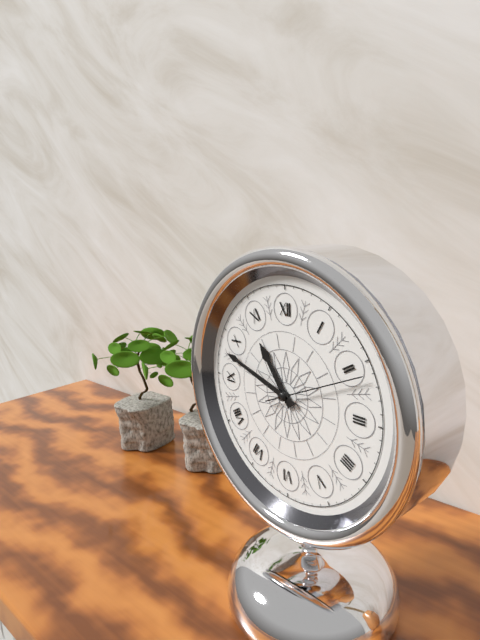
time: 10:48:11
